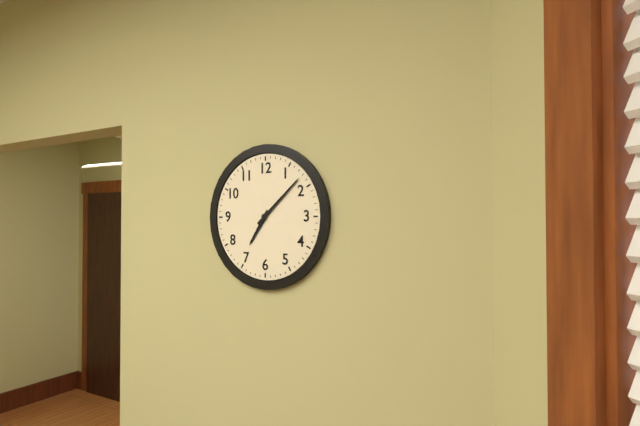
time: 7:08
